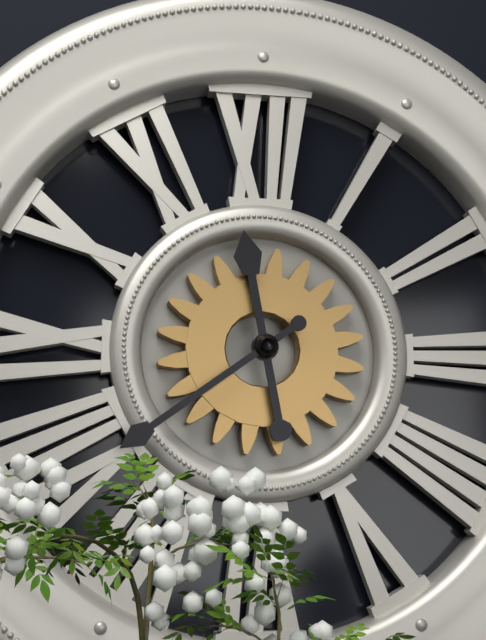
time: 11:39
